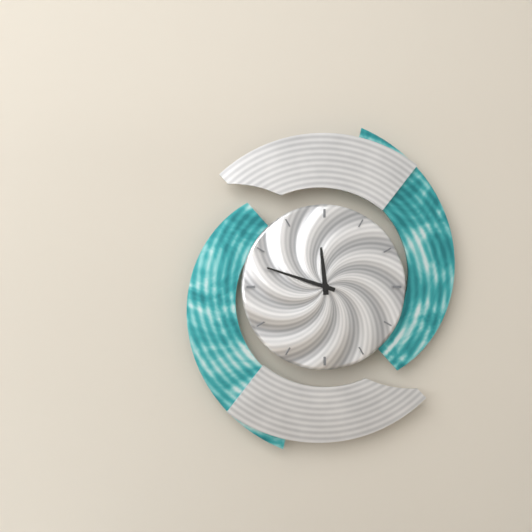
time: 11:48
